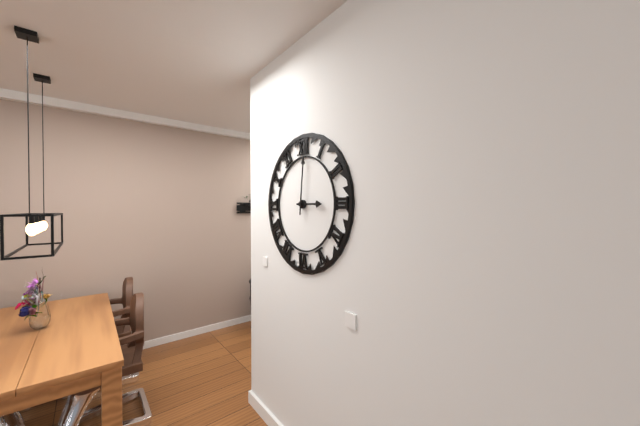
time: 3:01
